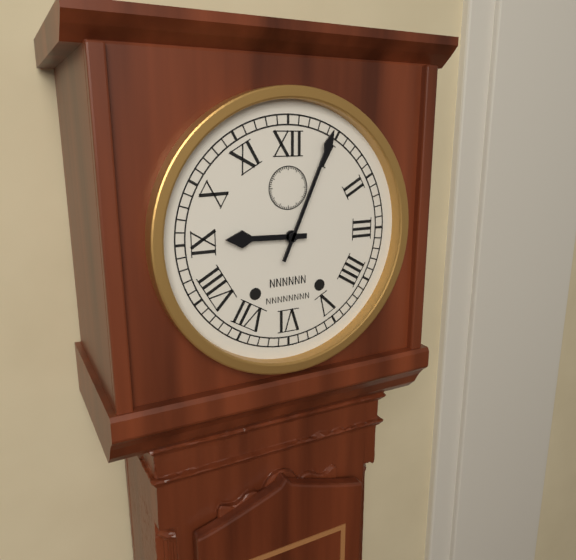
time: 9:04
